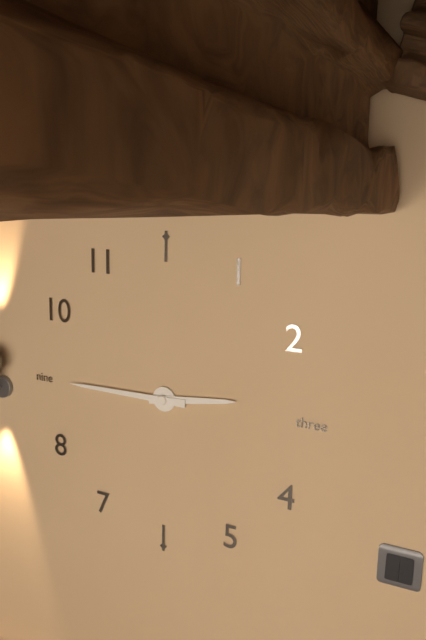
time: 2:45
